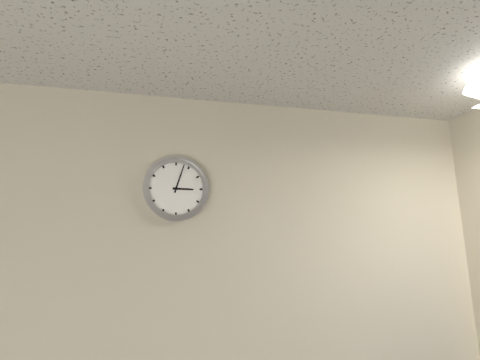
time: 3:03
